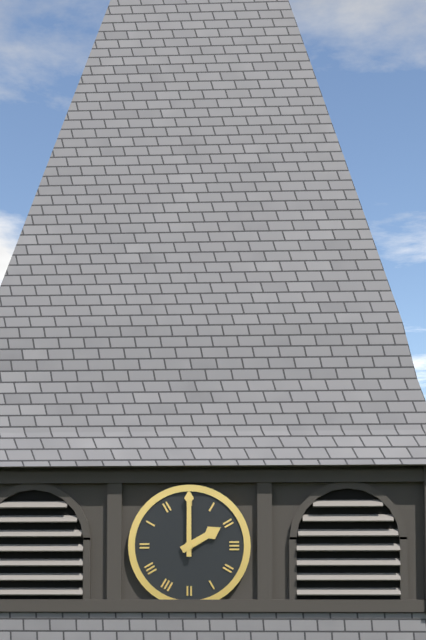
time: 2:00
